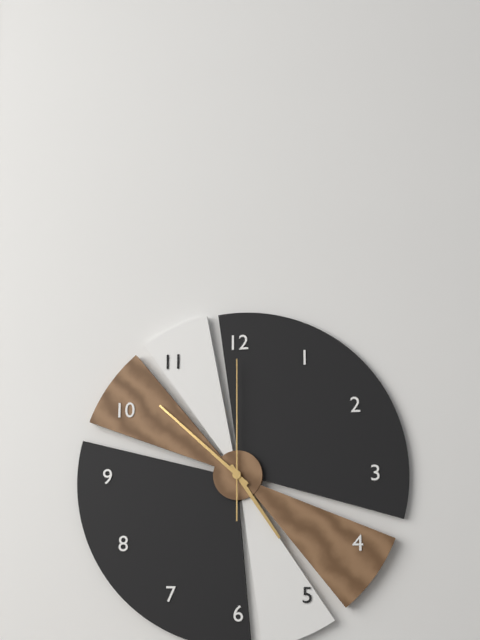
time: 4:52:00
